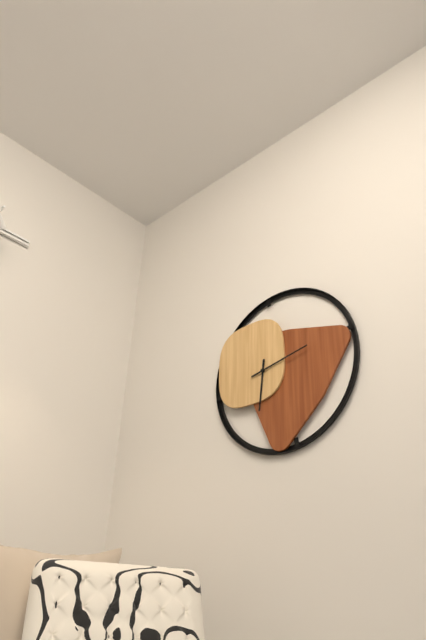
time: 6:13
